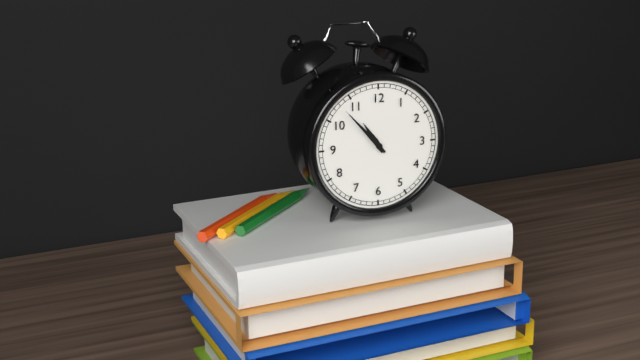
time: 10:53
